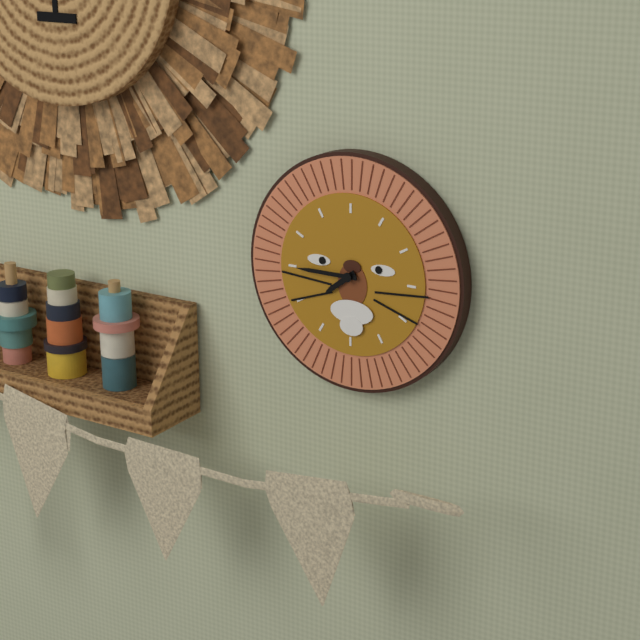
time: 7:45
